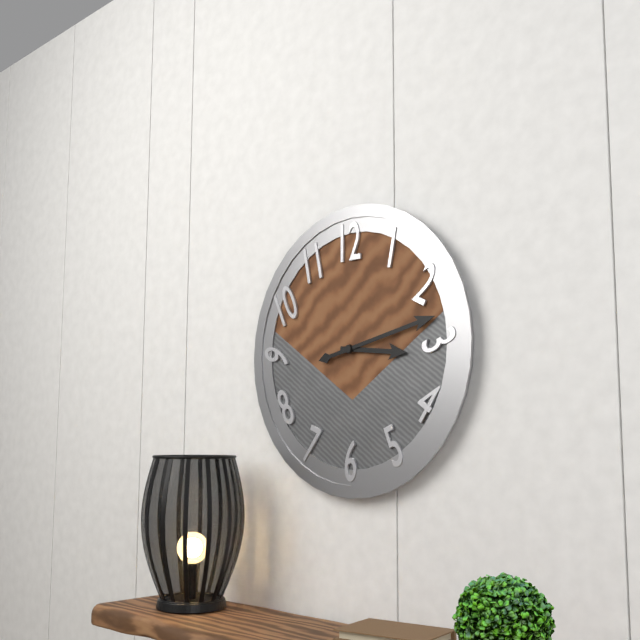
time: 3:13
